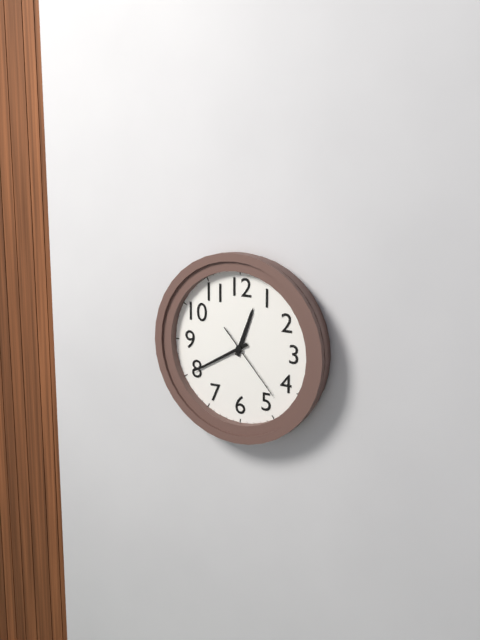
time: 12:40:23
